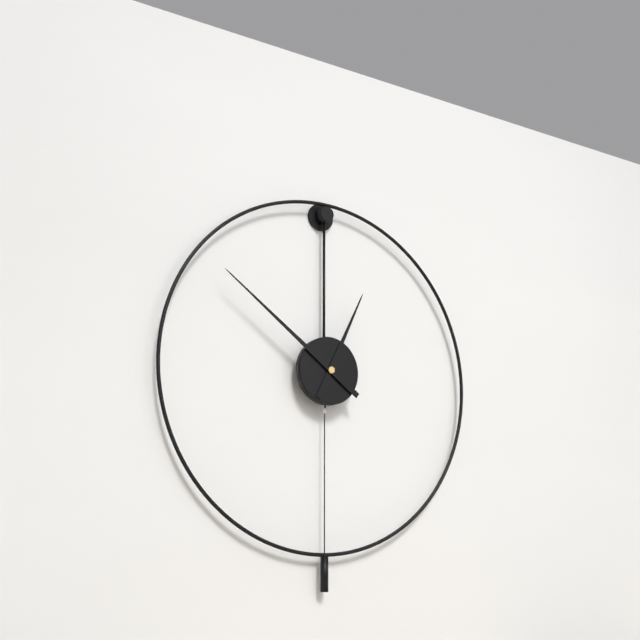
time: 12:51
